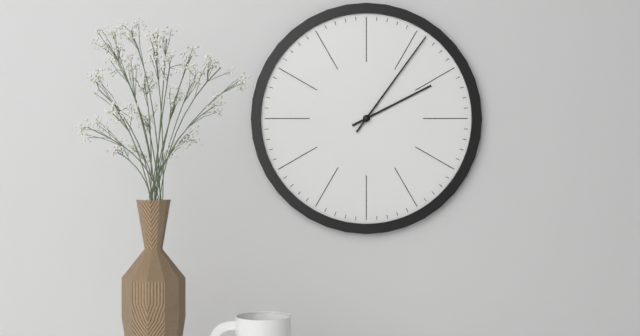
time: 2:06
